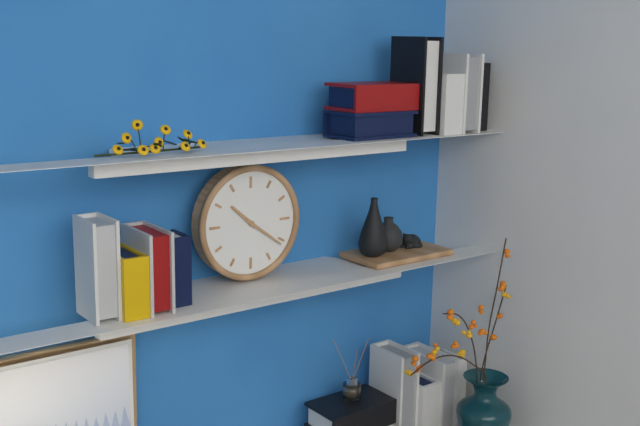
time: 10:21
